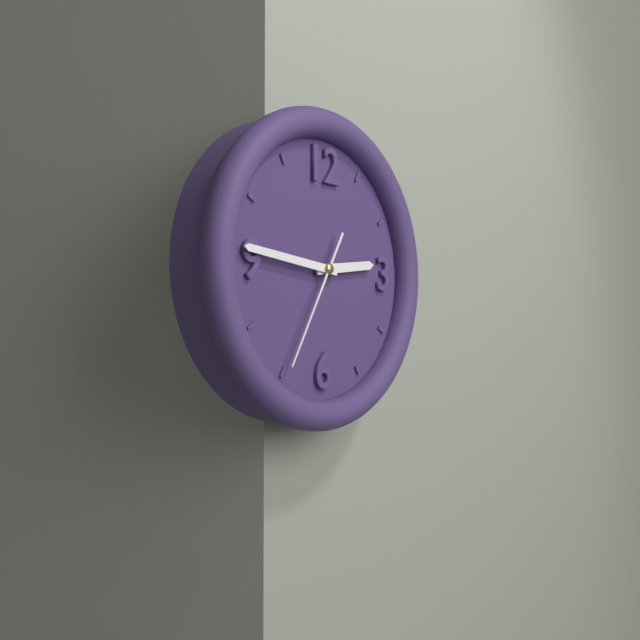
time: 2:46:35
